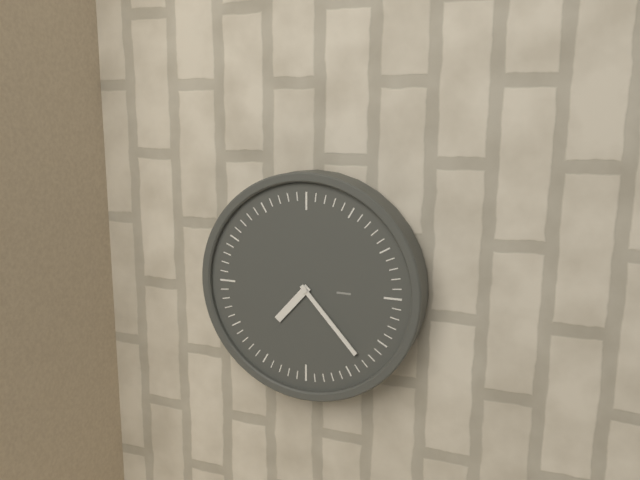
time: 7:23
